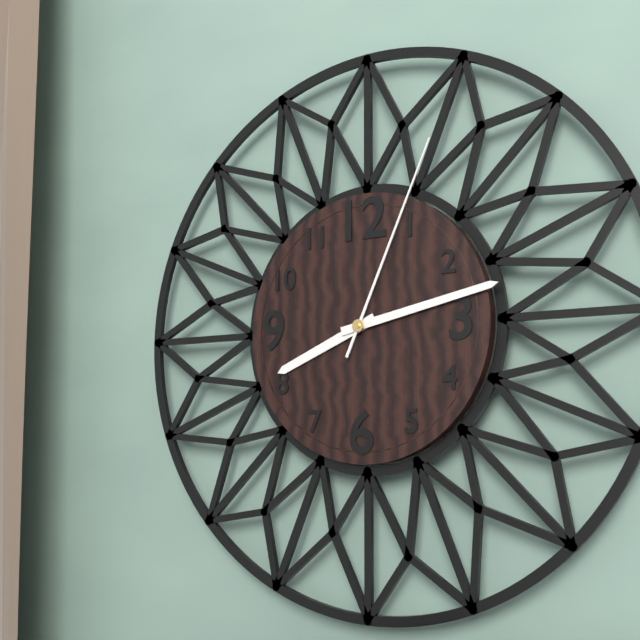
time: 8:13:04
